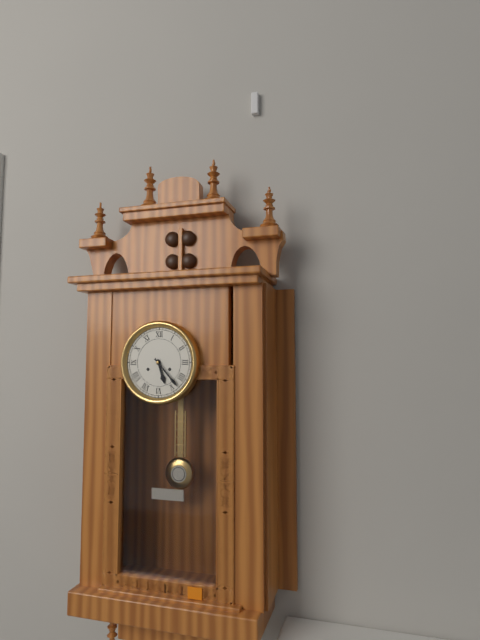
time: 5:23
